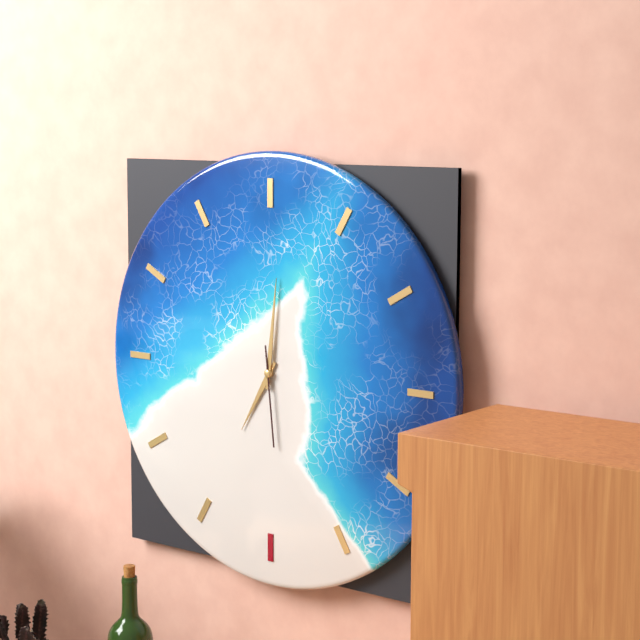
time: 7:01:29
